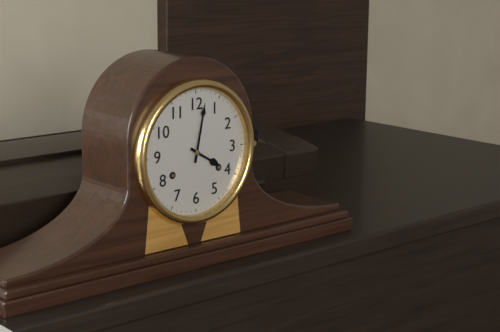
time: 4:02
